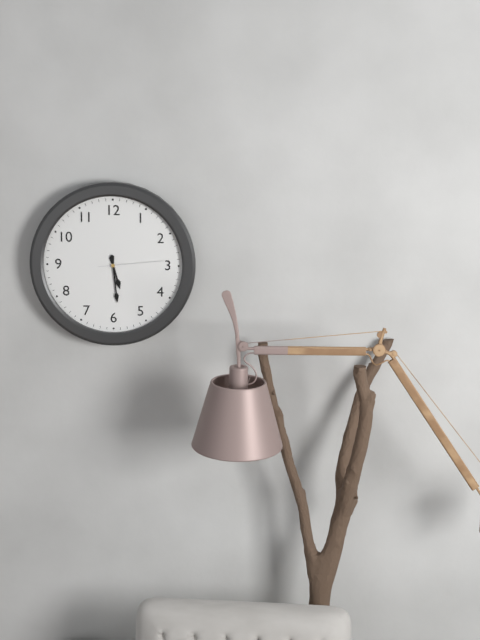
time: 5:29:14
